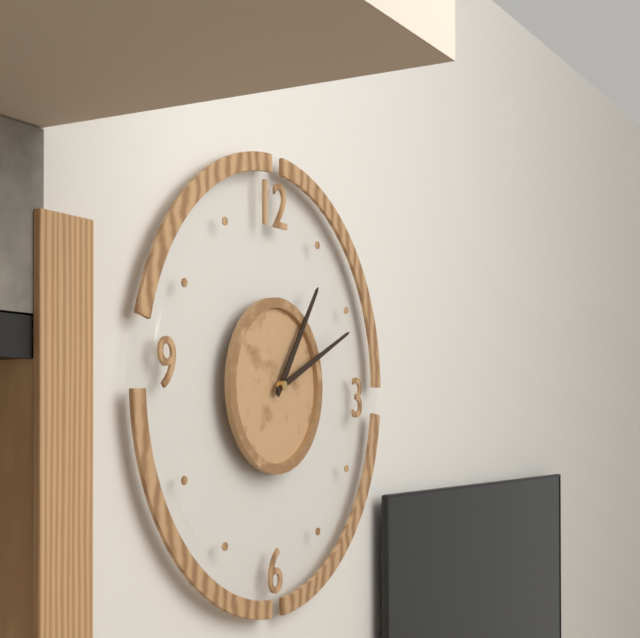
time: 1:11
